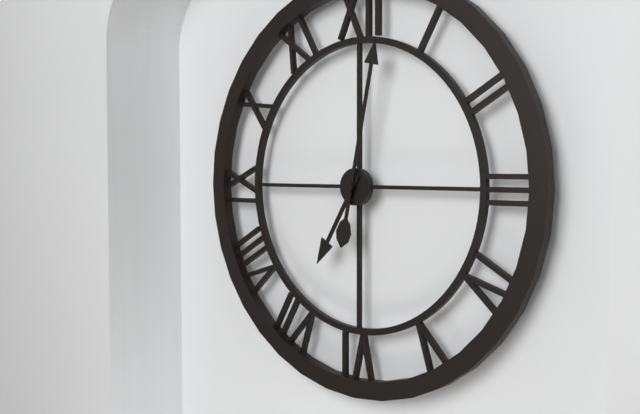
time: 7:02
